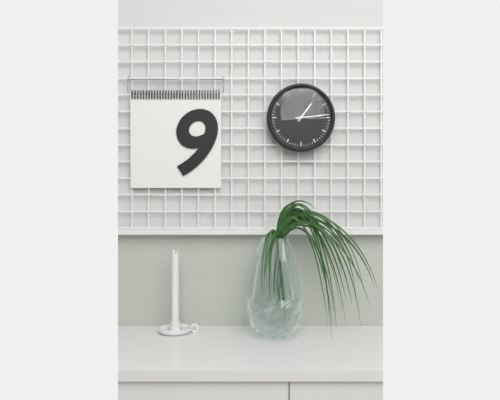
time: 1:14
